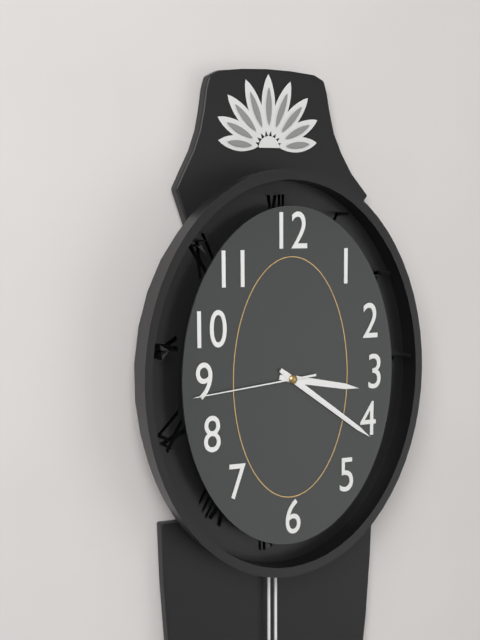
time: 3:21:44
